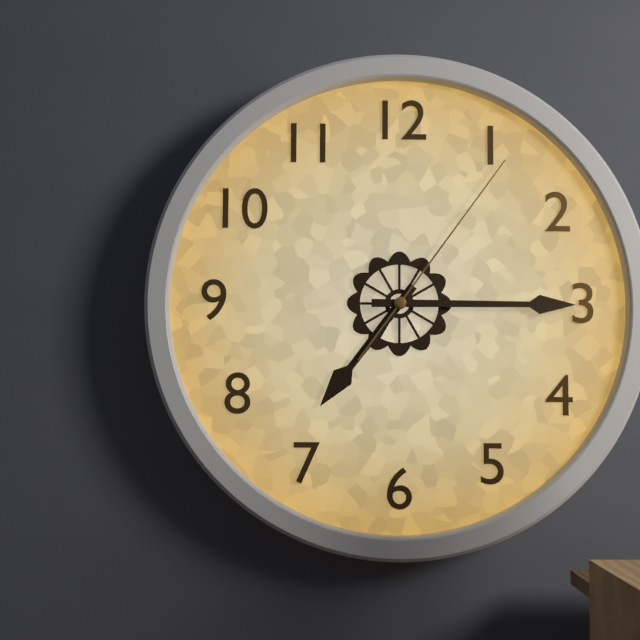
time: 7:15:06
